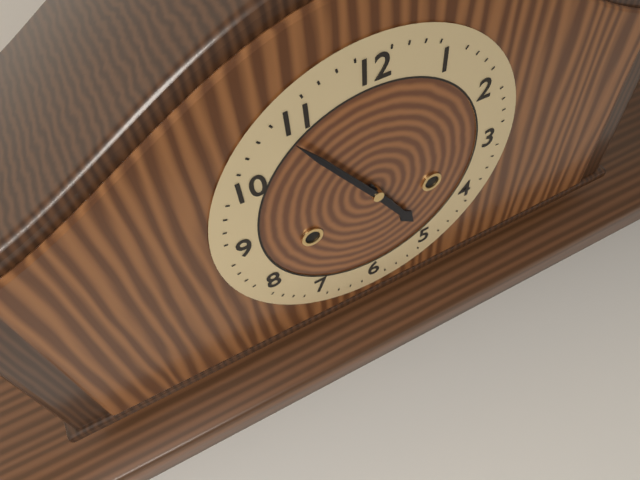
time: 4:54
